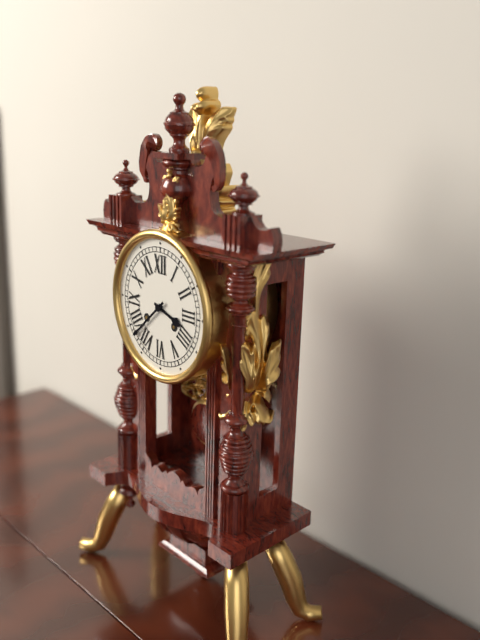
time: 3:38
